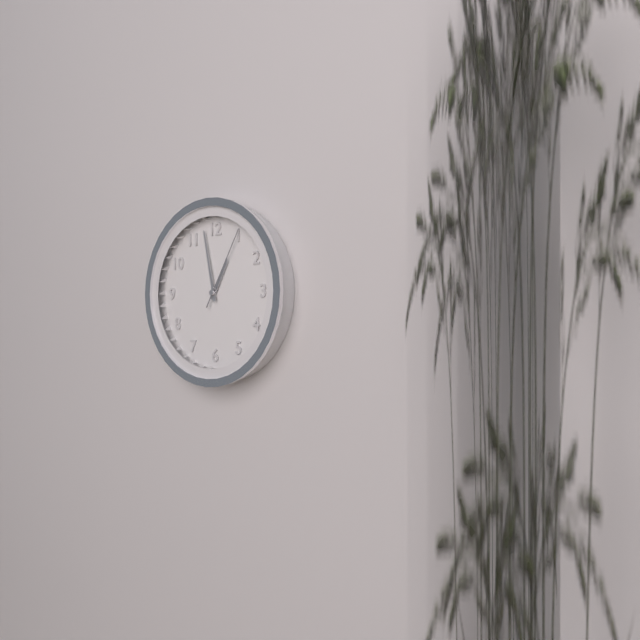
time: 12:58:05
